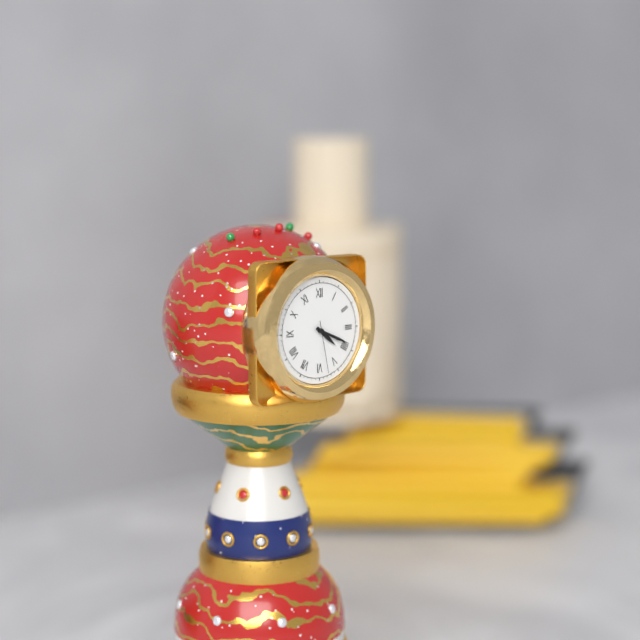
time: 4:19:28
